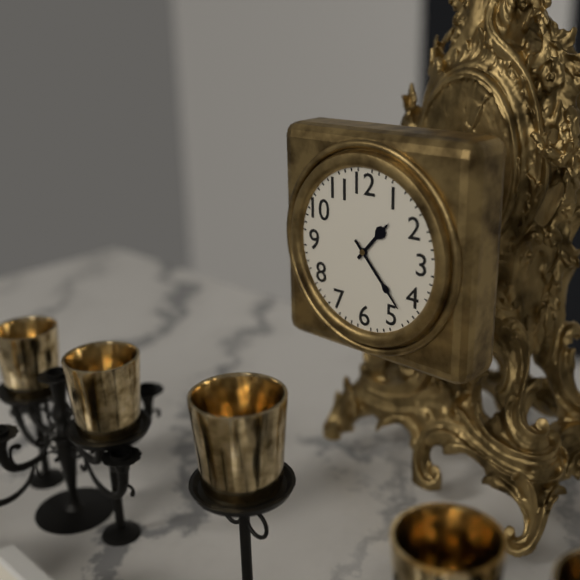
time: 1:23
